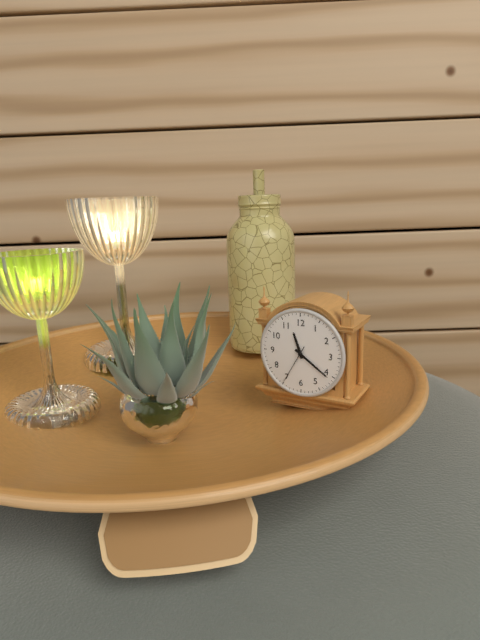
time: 11:21
